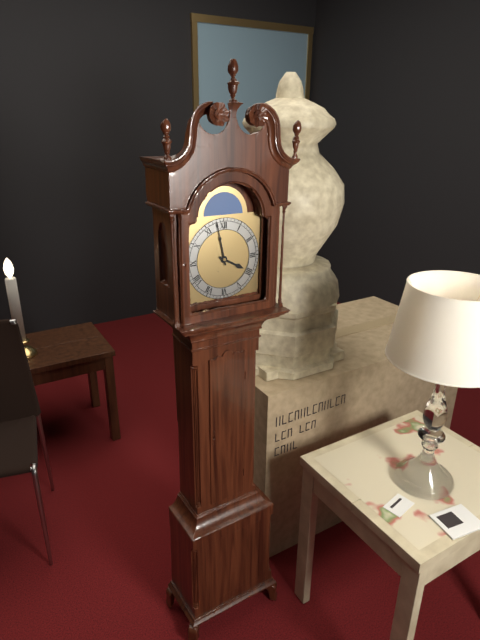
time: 3:58
